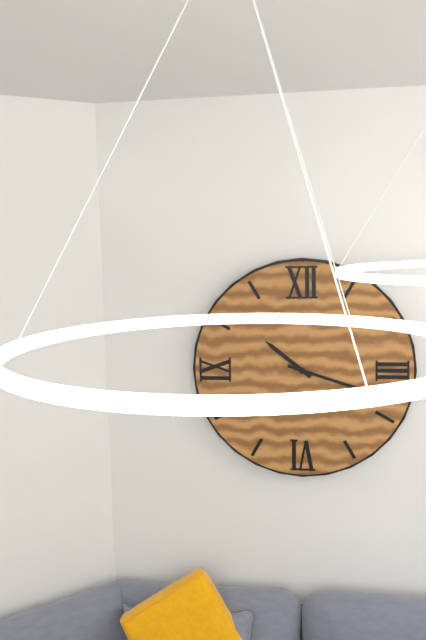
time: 10:18
